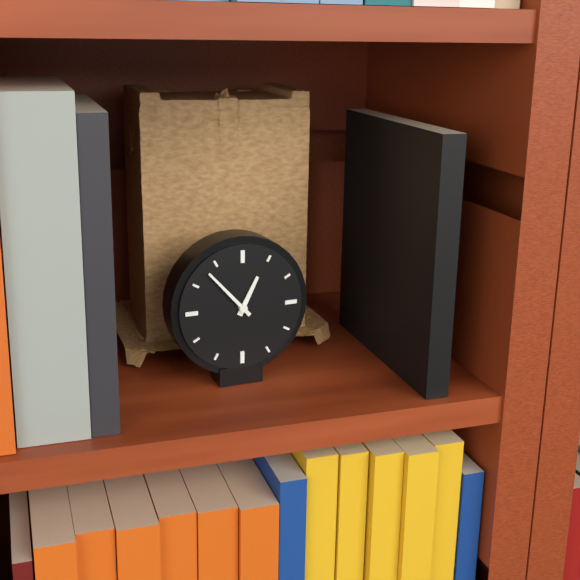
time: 12:53
